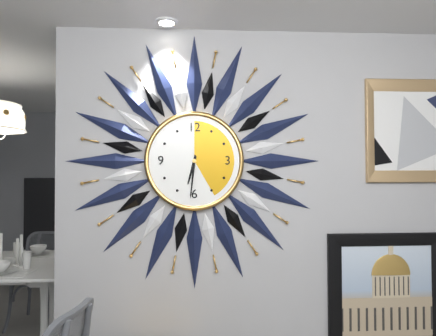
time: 6:31
